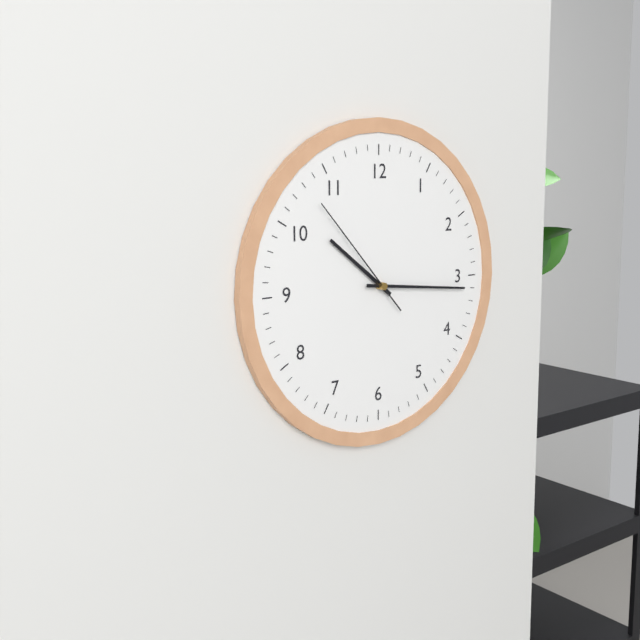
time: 10:16:53
